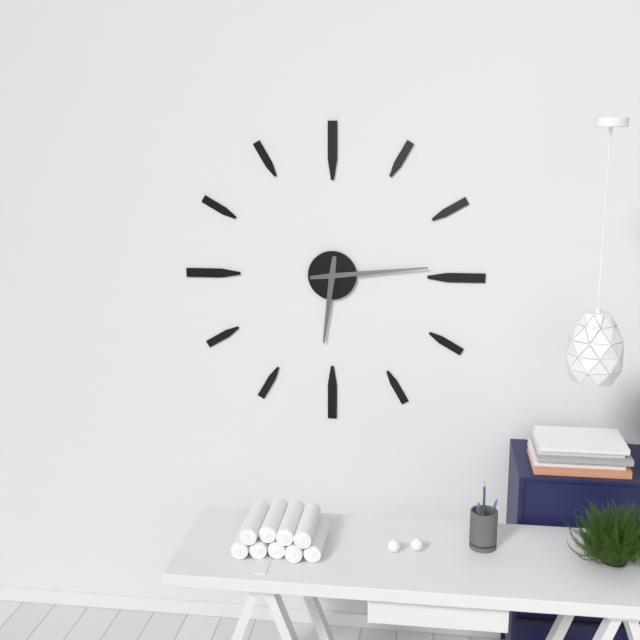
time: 6:14
